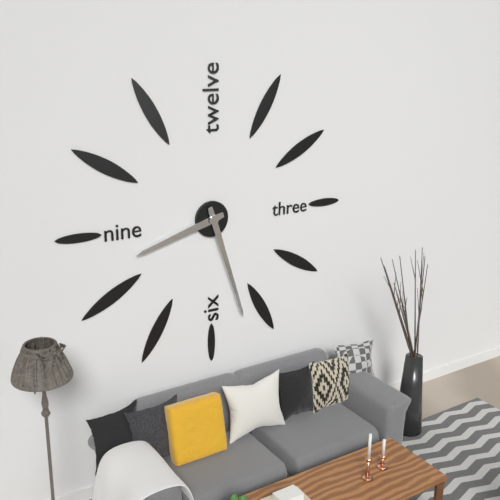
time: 8:27
